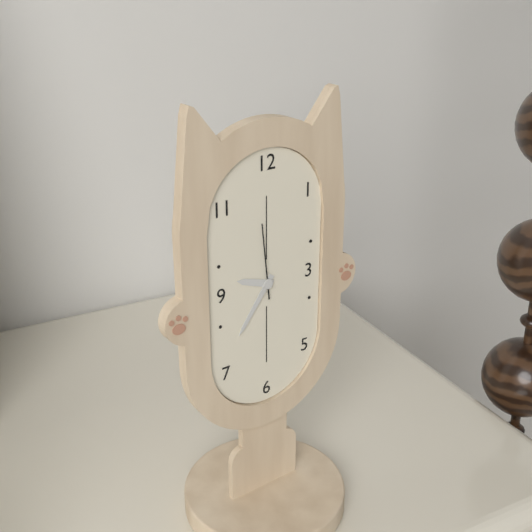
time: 9:36:59
